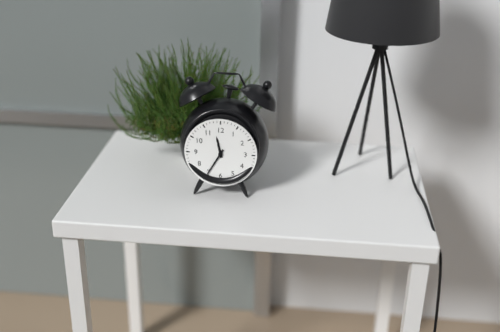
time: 11:35
